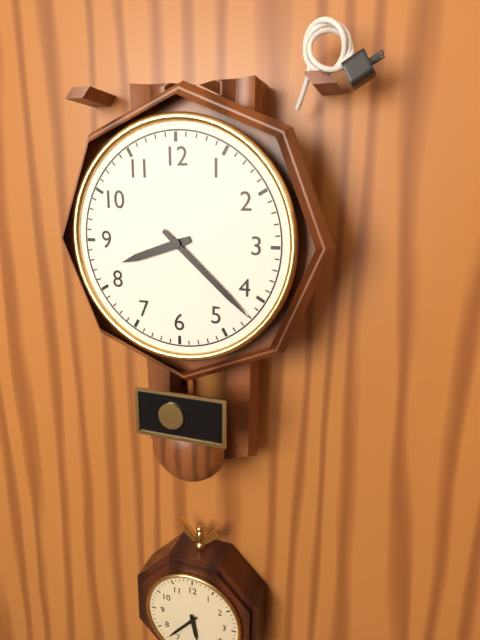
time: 8:22
